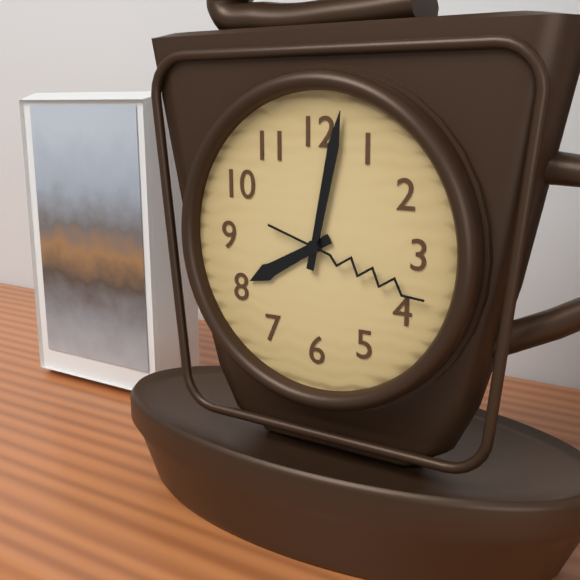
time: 8:02:18
